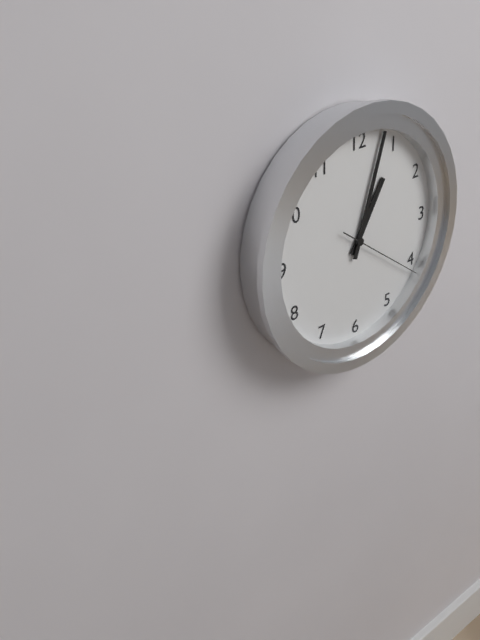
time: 1:03:21
